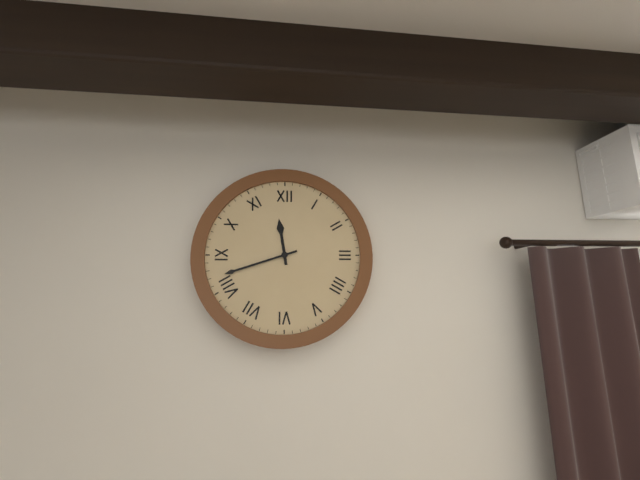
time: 11:42
